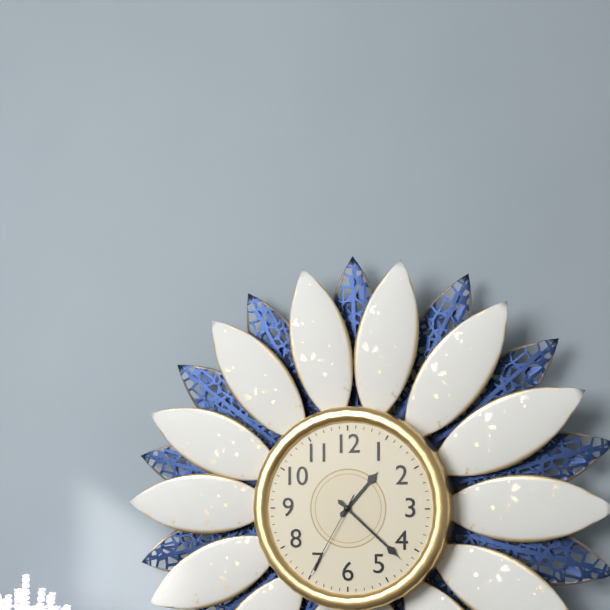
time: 1:22:35
